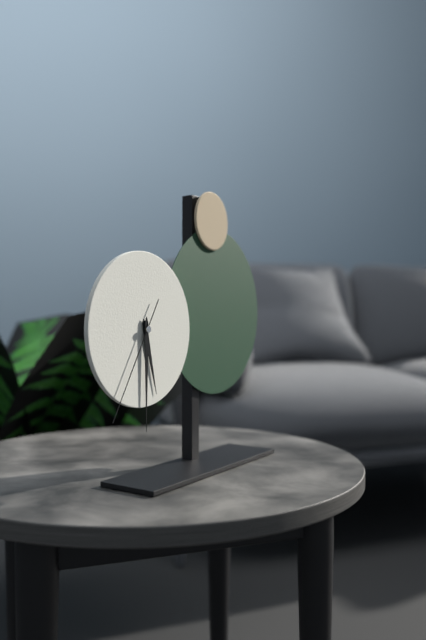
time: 5:30:35
